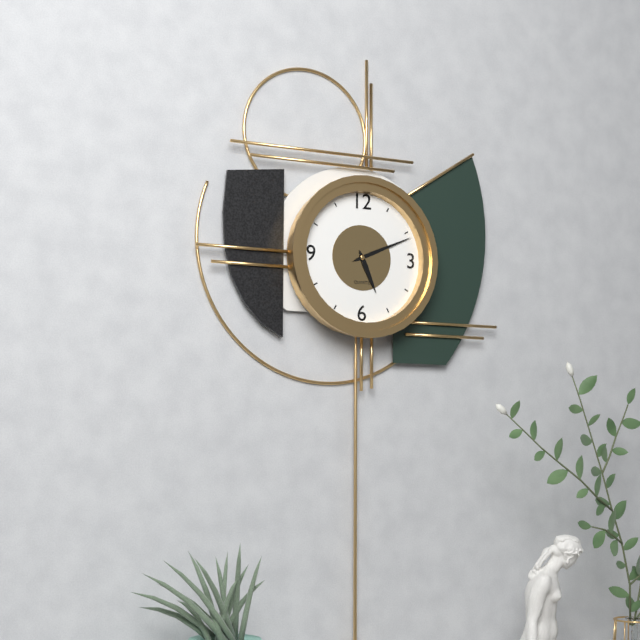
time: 5:11
